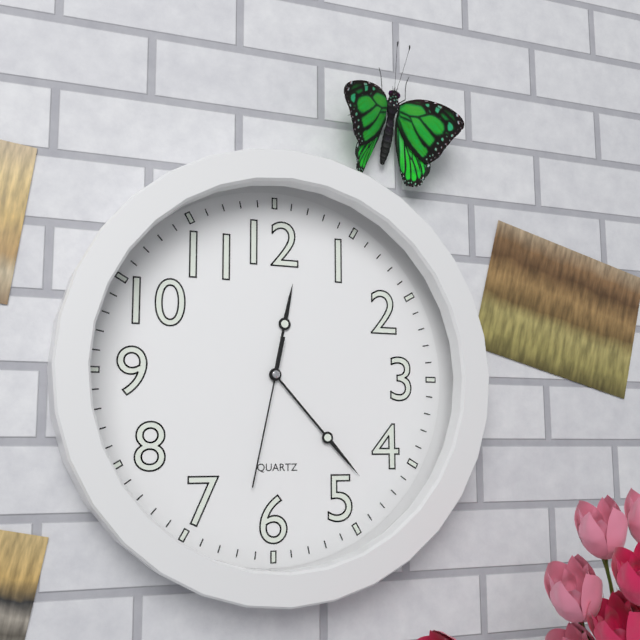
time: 12:23:32
